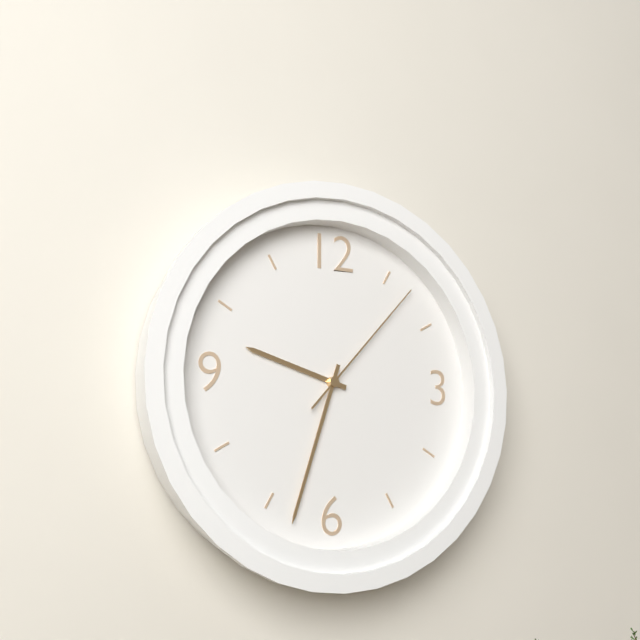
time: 9:33:07
